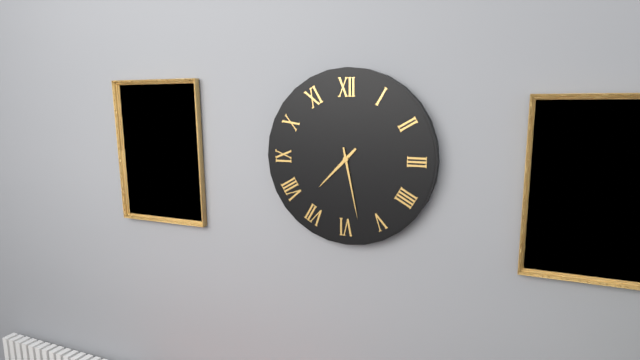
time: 7:28
